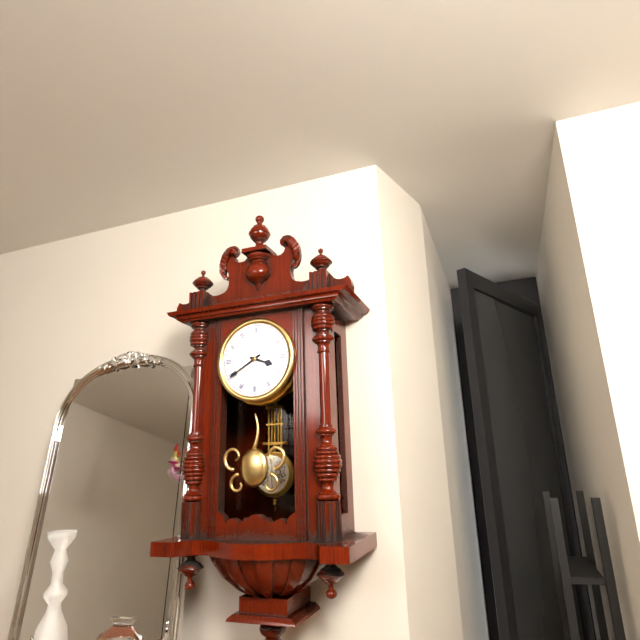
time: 3:40
